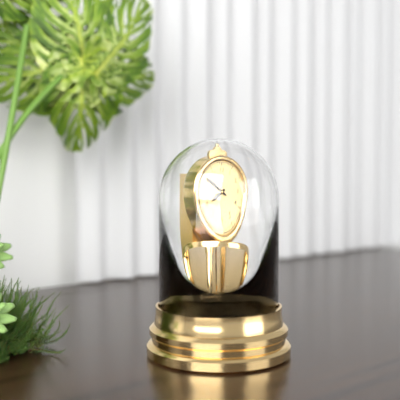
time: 7:51
